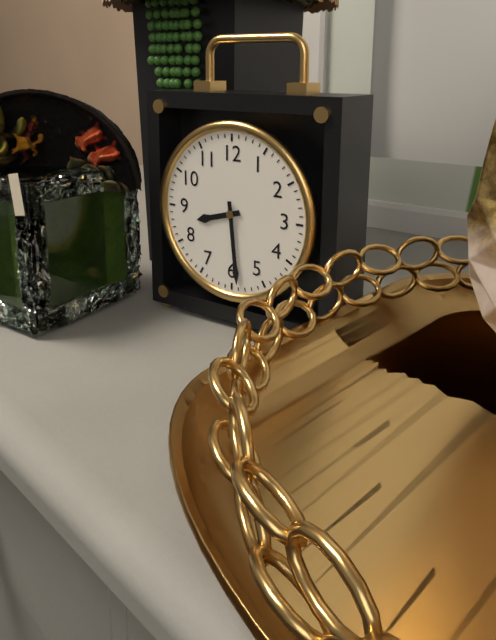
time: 8:29
